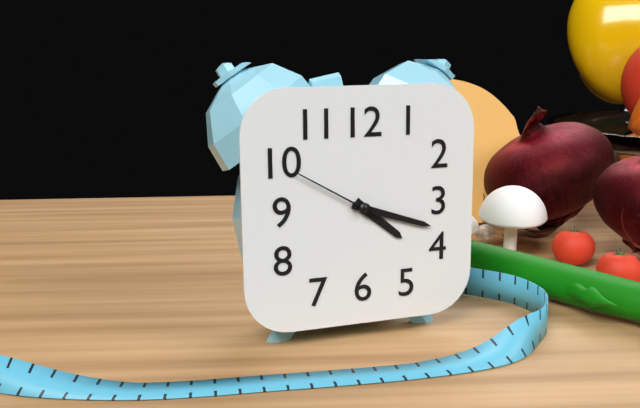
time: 4:18:50
